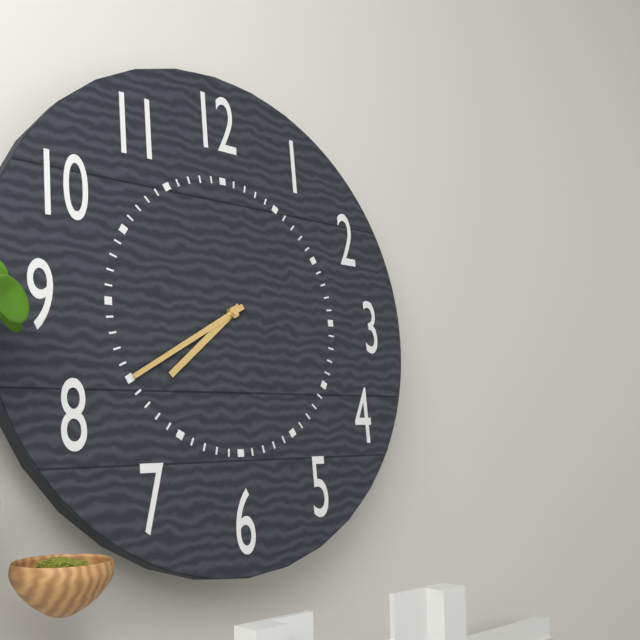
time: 7:40
